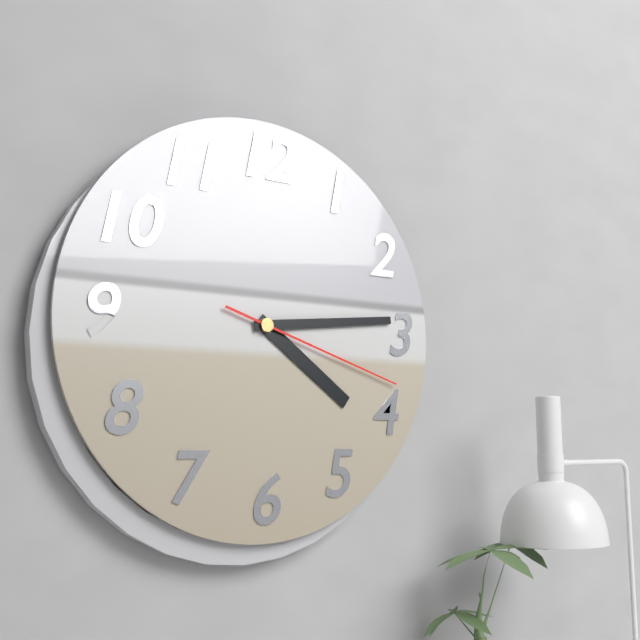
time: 4:14:18
